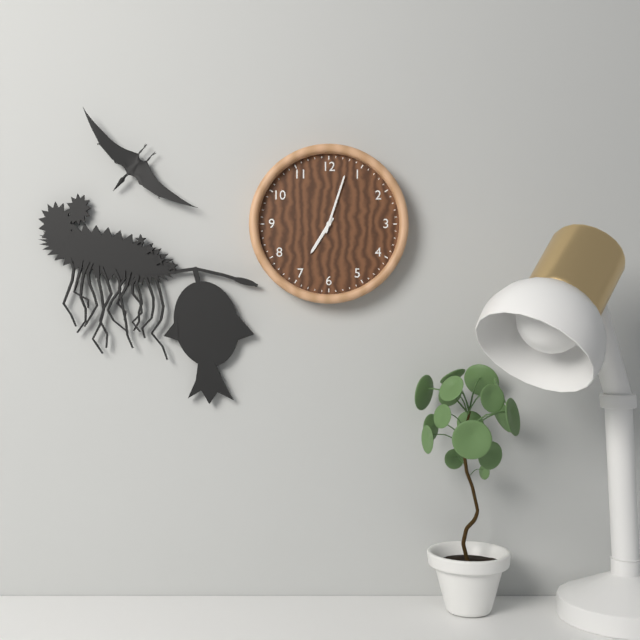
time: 7:03
